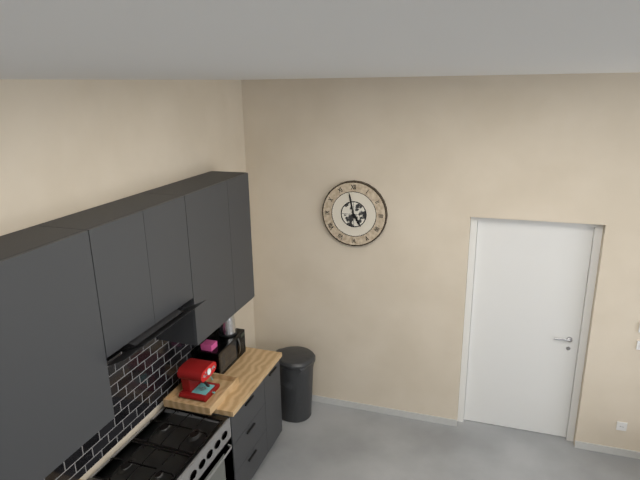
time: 4:58
